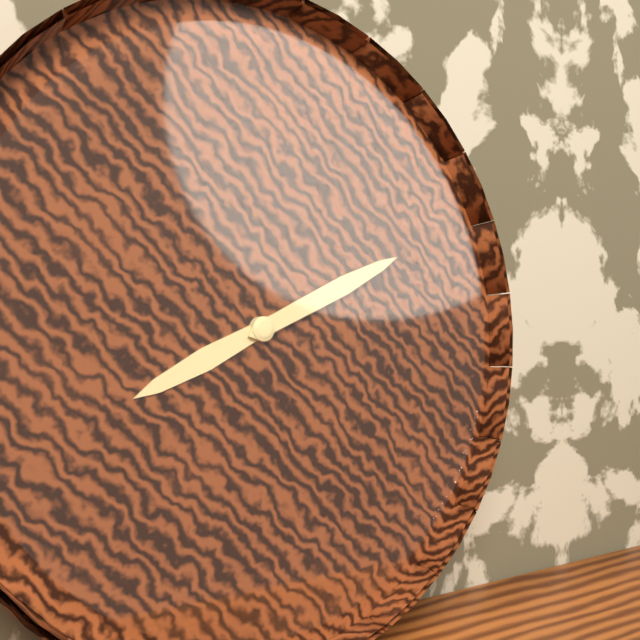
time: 8:11
